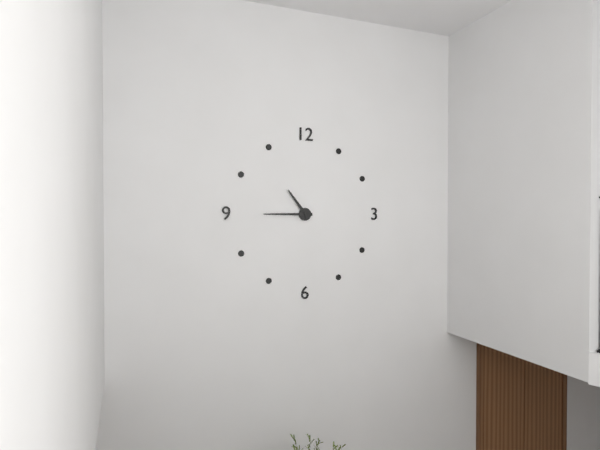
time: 10:45
